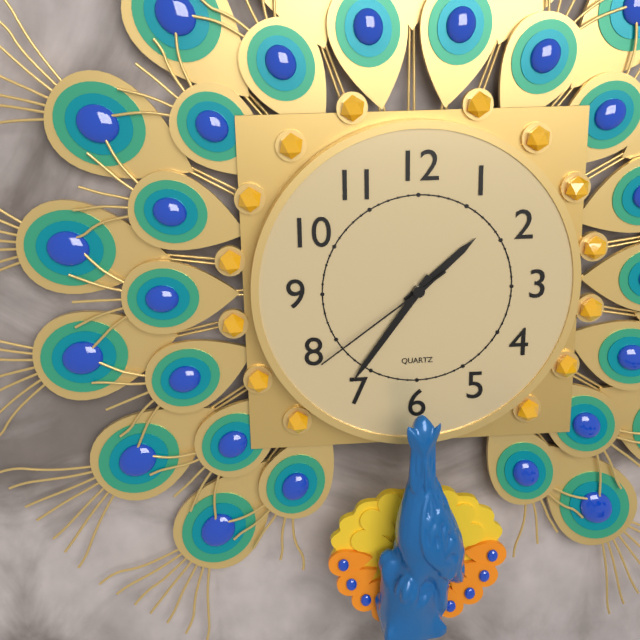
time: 1:36:39
